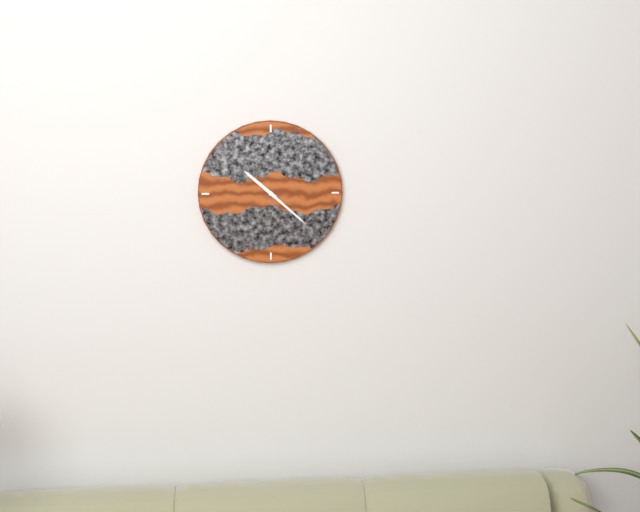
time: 10:22
